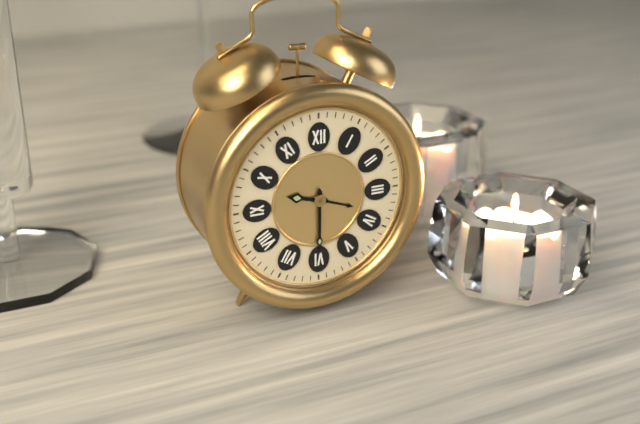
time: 9:30
